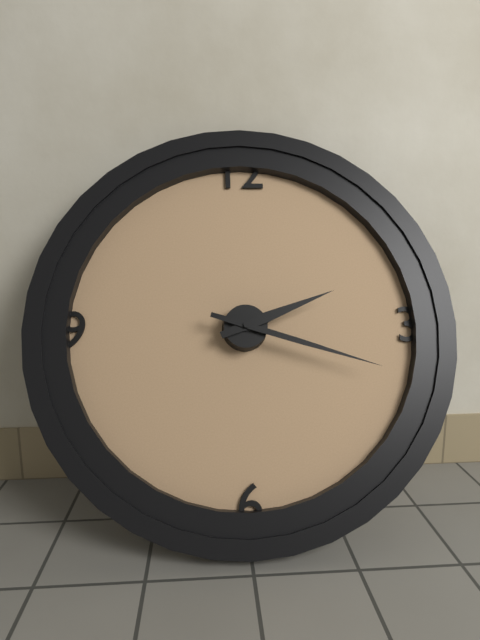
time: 2:18
